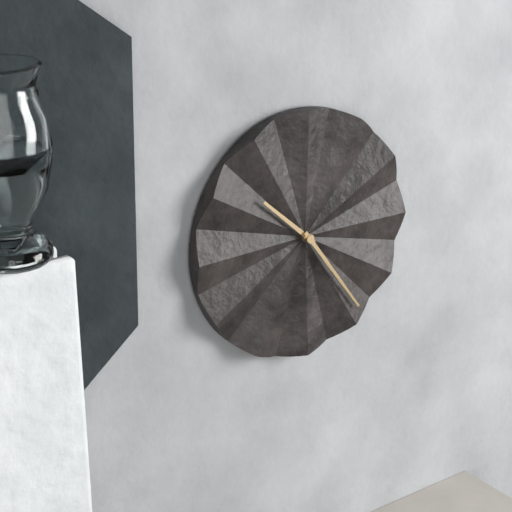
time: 10:24
